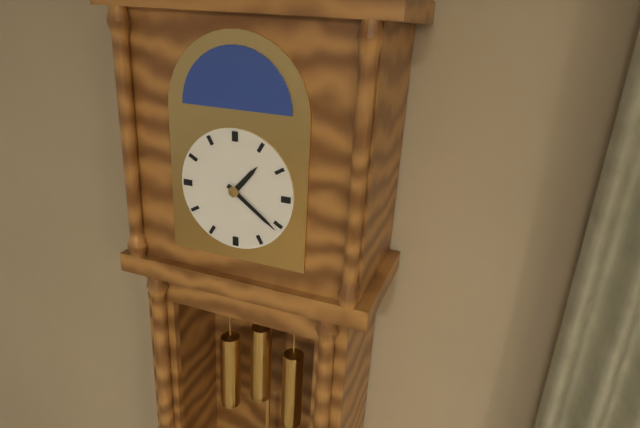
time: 1:21
